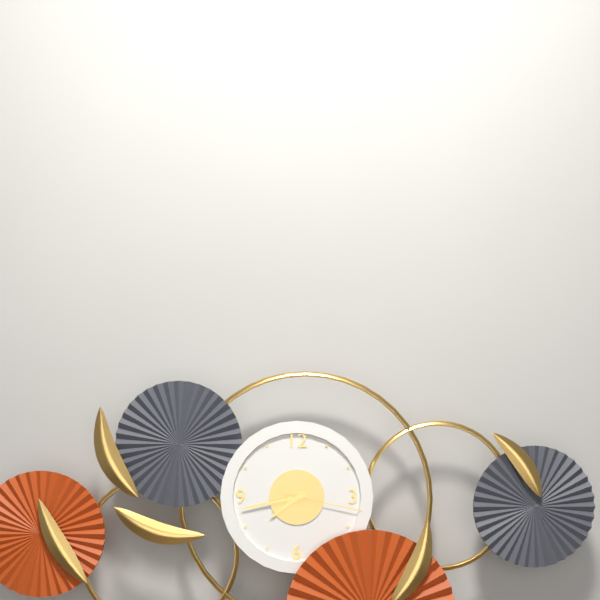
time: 7:43:17
